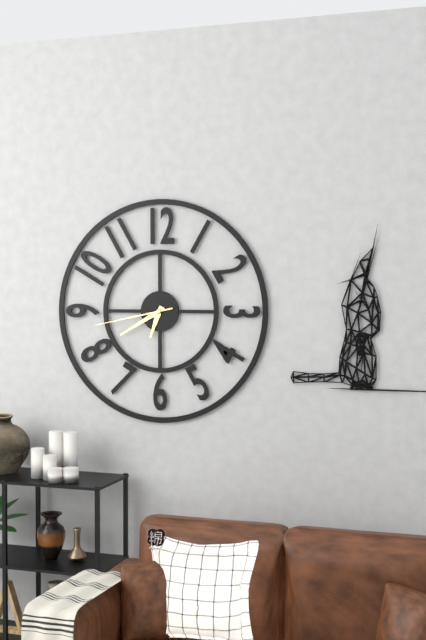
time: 6:40:43
